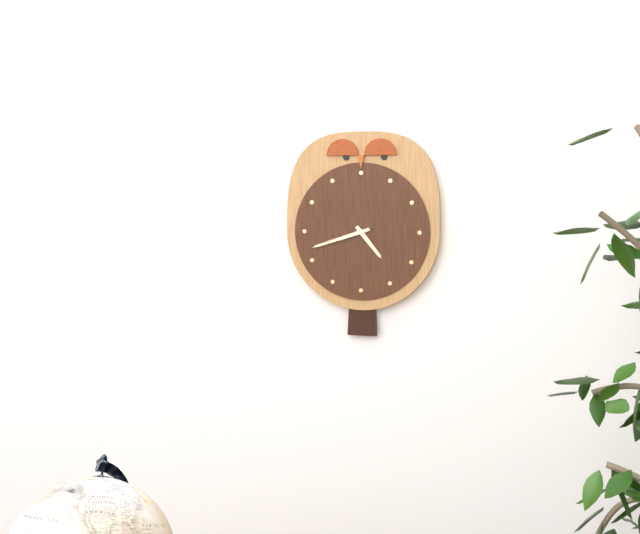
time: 4:42
